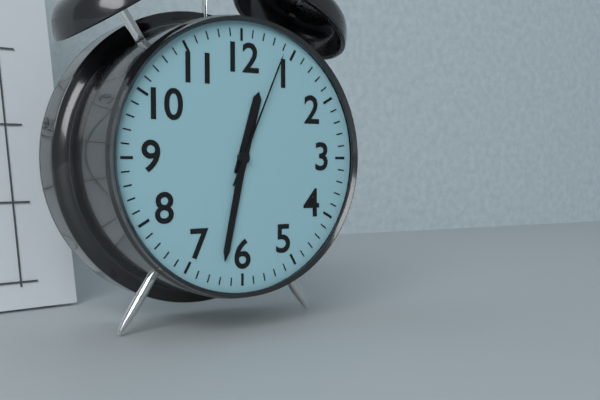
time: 12:32:04
